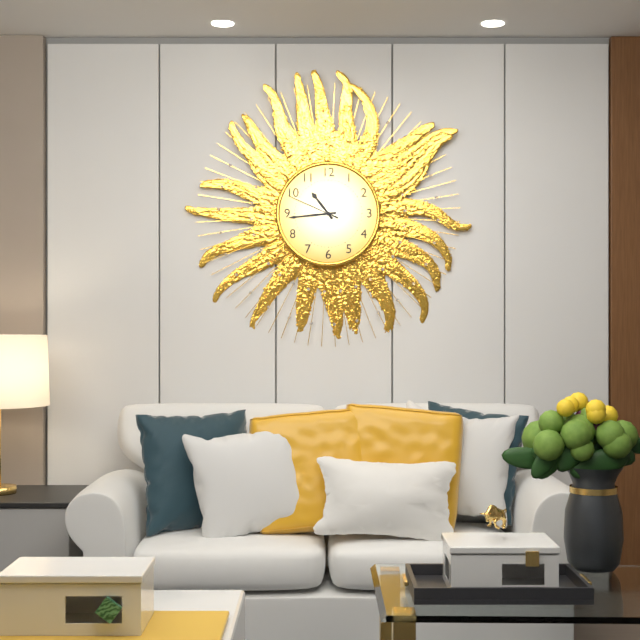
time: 10:44:49
